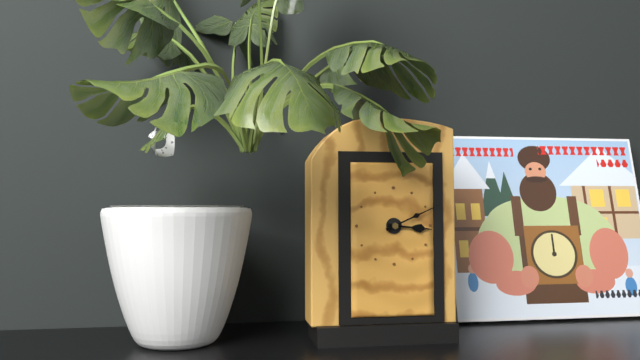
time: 3:11
